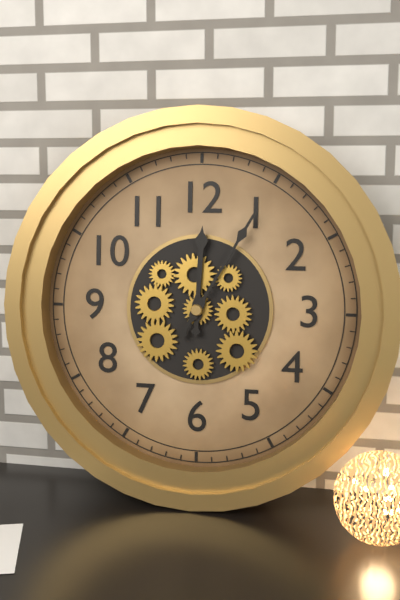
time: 12:05
